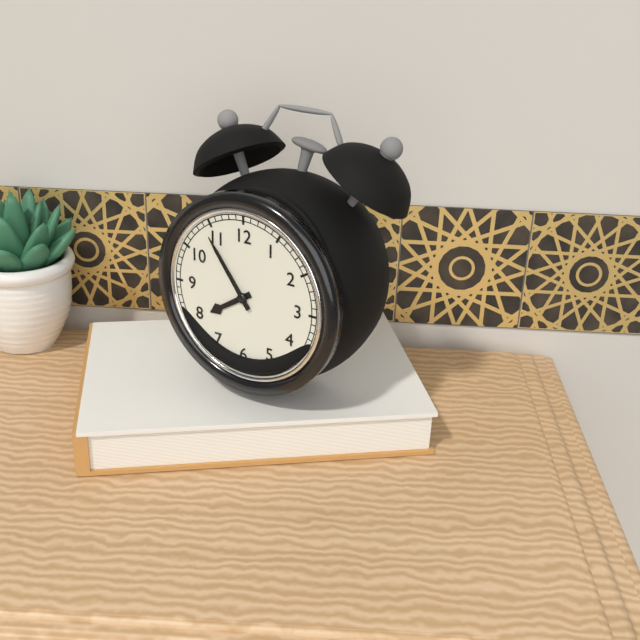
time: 7:54
